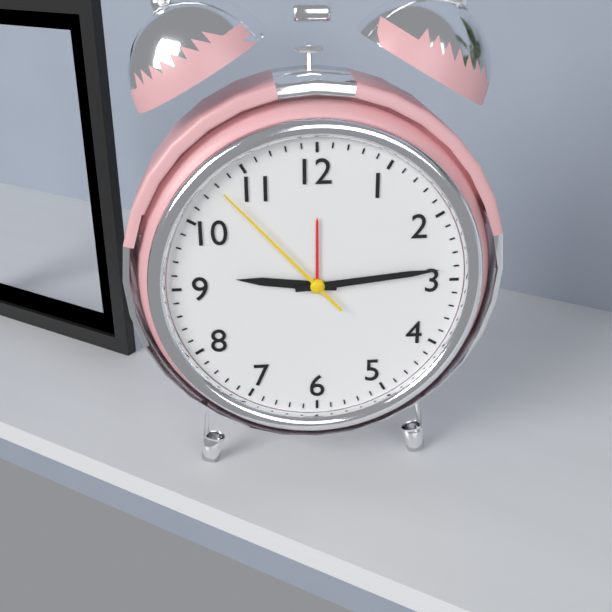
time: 9:14:53
